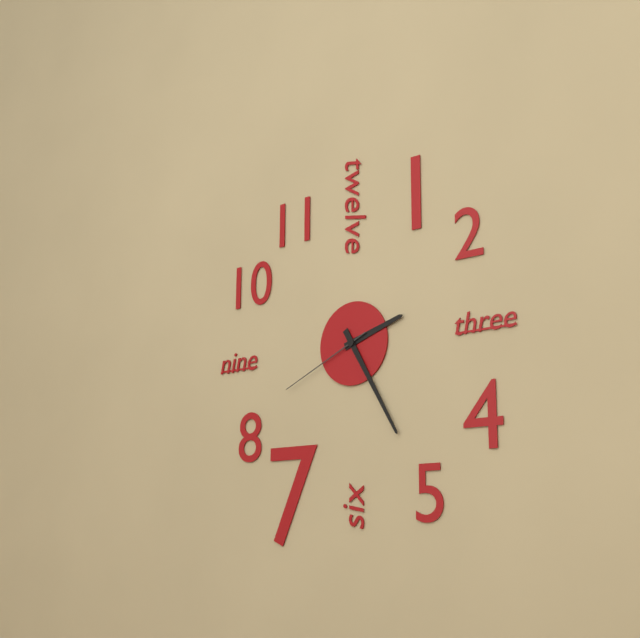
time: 2:25:41
